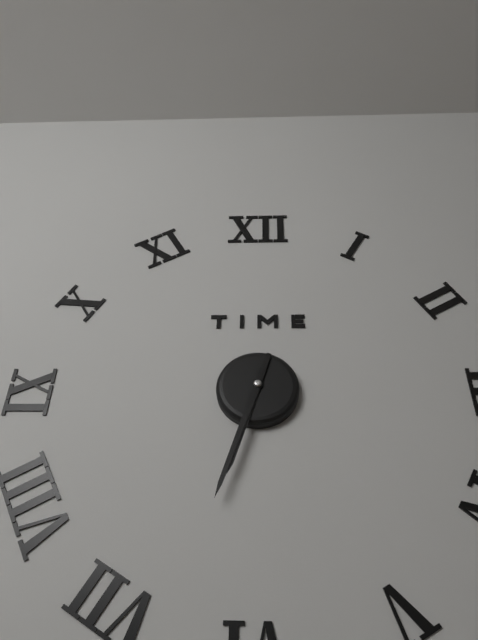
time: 6:33
